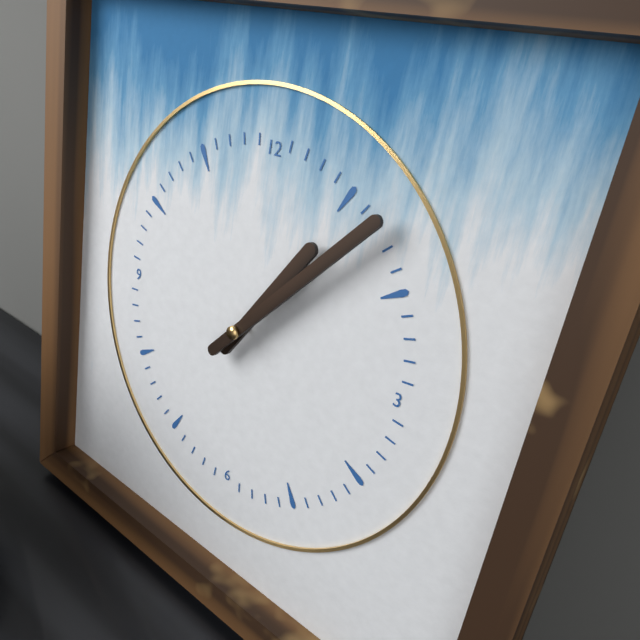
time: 1:07
